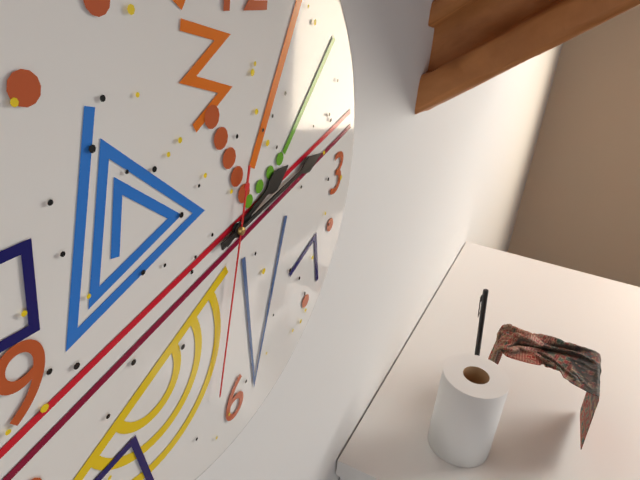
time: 2:13:32
